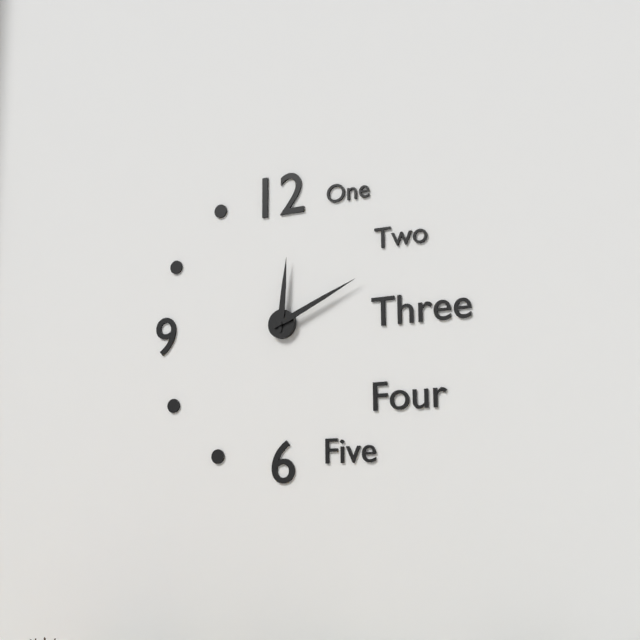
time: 12:11
